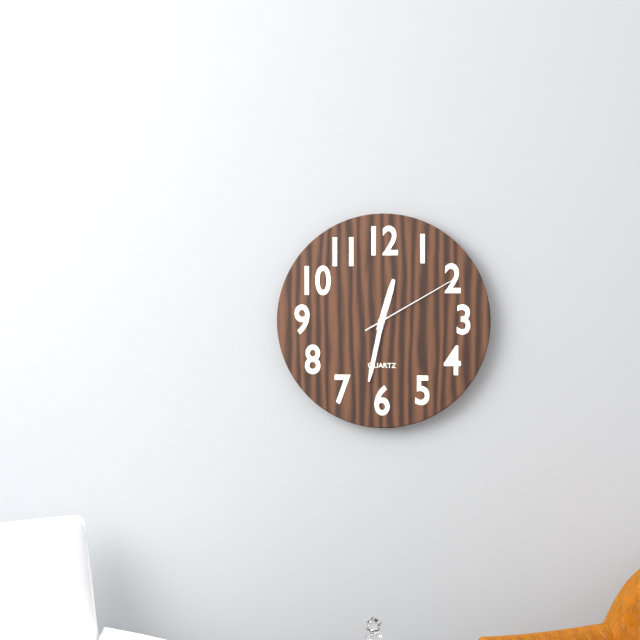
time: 12:32:10
